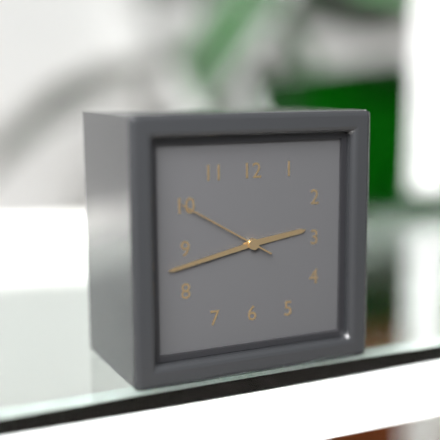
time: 2:43:50
